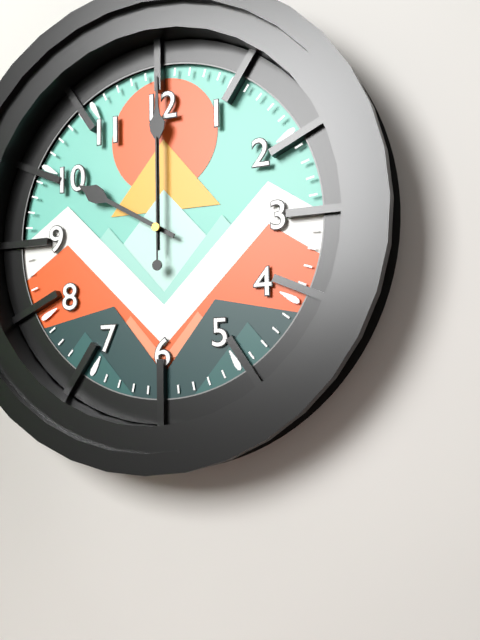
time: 10:00:00
